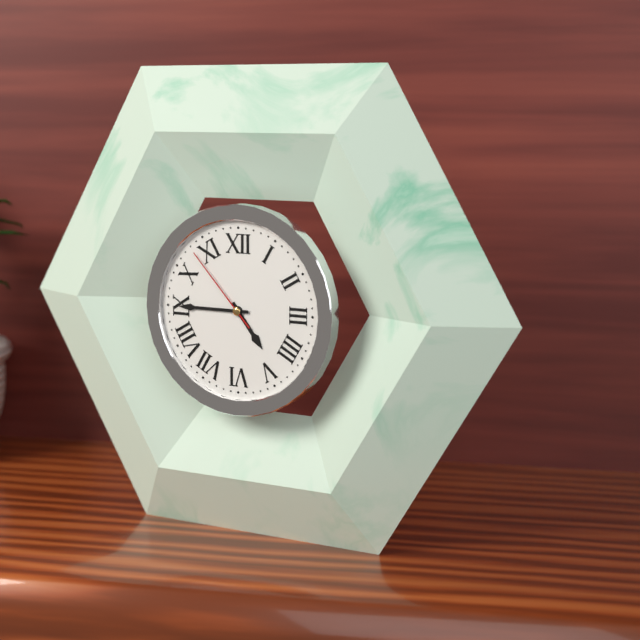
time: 4:45:53
